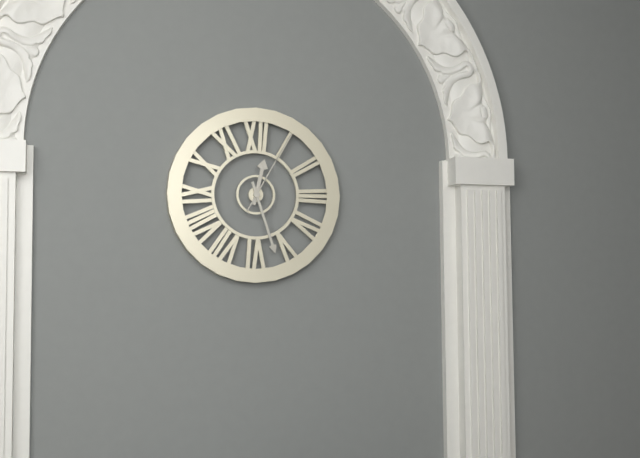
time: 12:27:05
